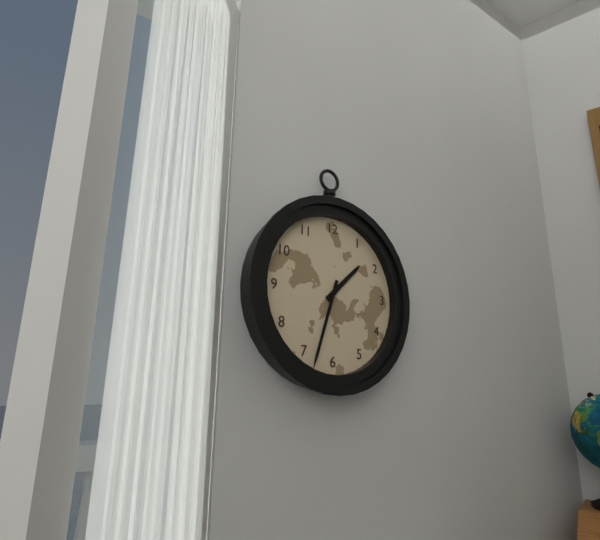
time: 1:33
